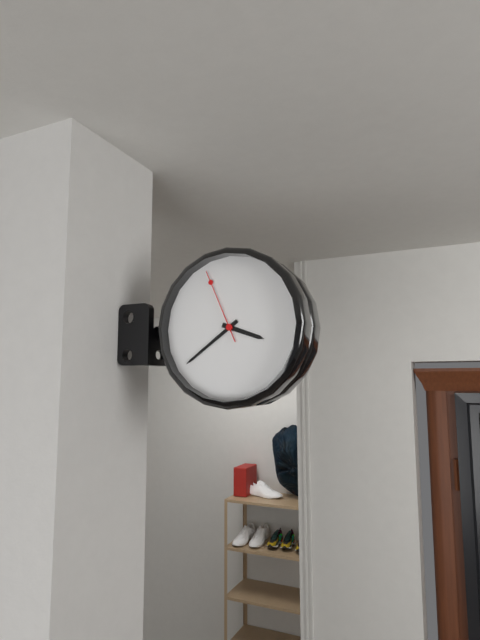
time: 3:39:56
